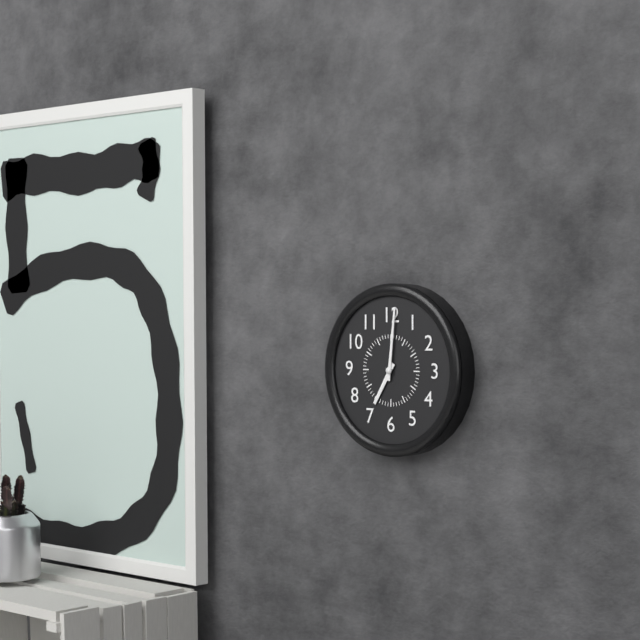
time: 7:01
